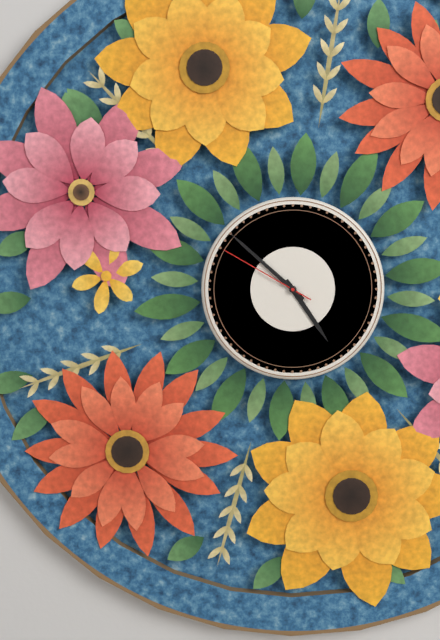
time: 4:52:50
